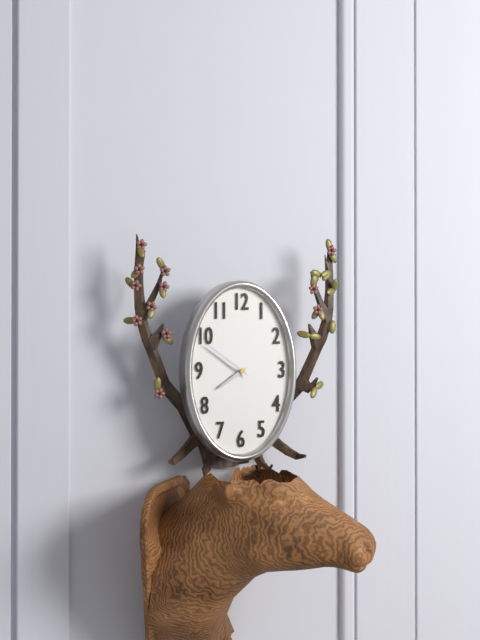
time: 7:51
